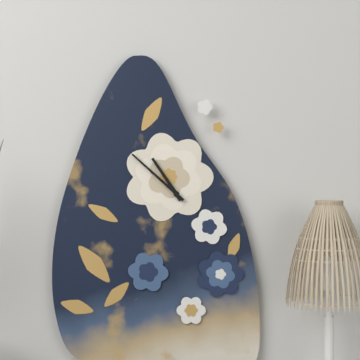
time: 10:52
